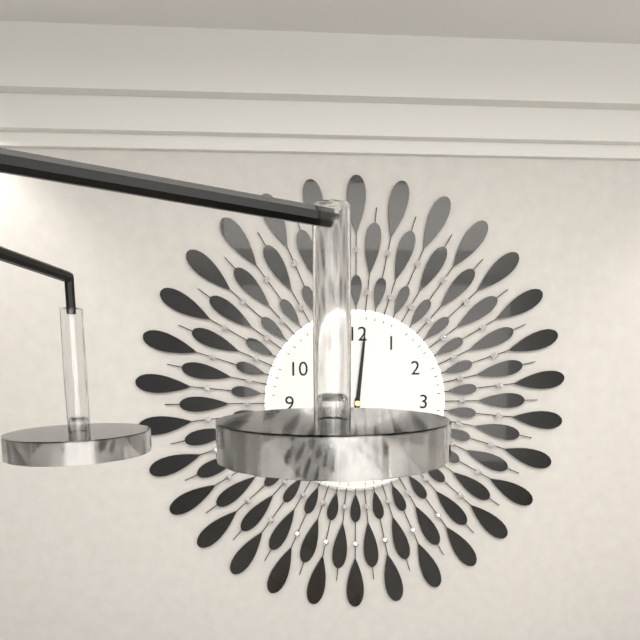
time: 6:01
